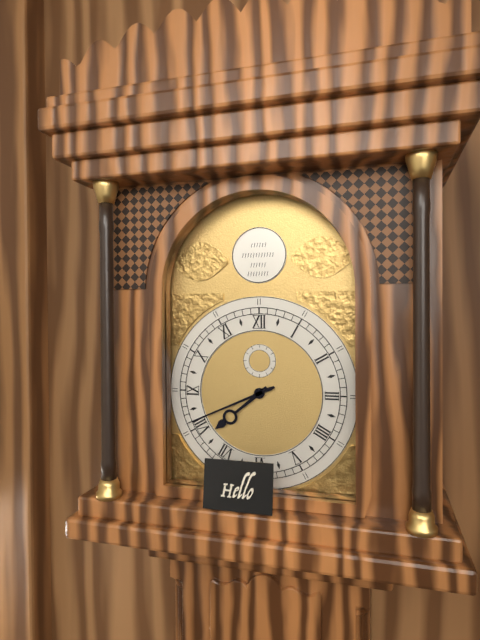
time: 7:41
